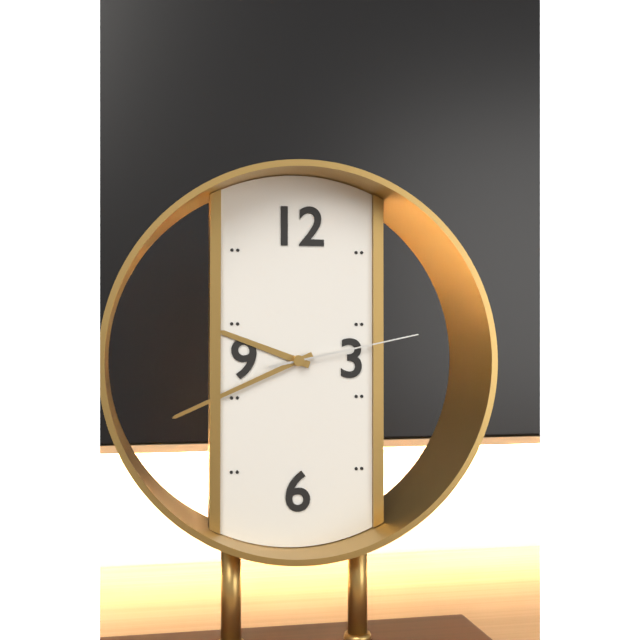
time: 9:41:13
